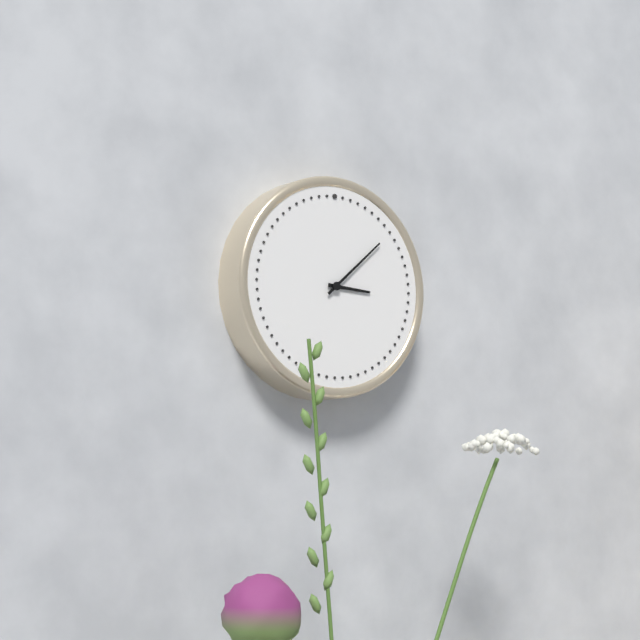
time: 3:08
